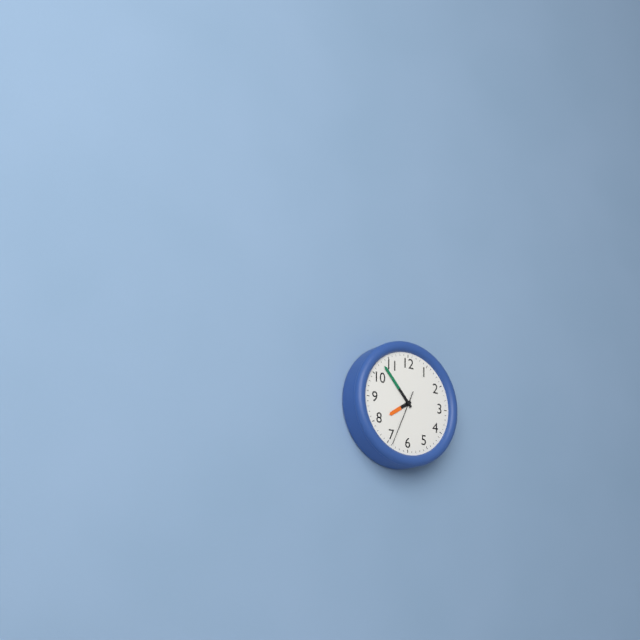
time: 7:53:34
